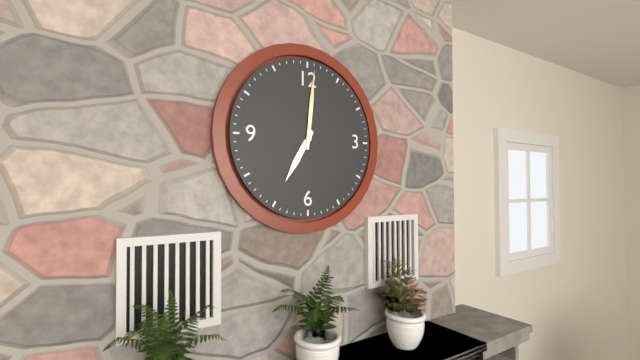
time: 7:01
